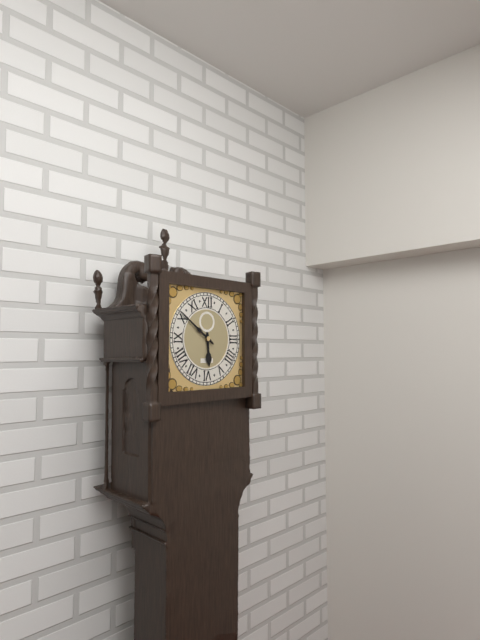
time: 5:51
